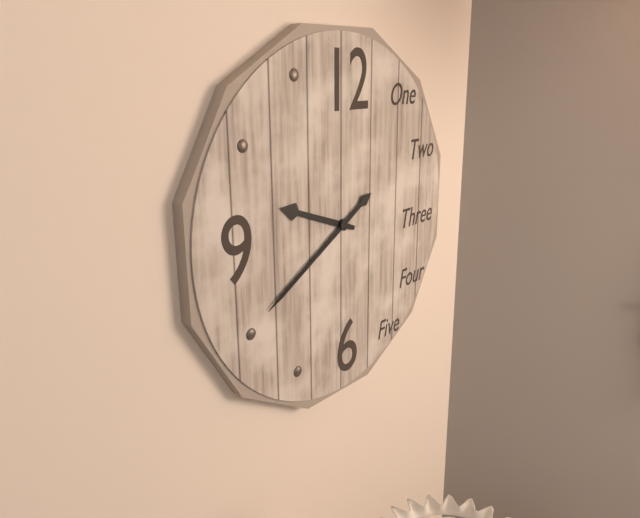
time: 9:40
